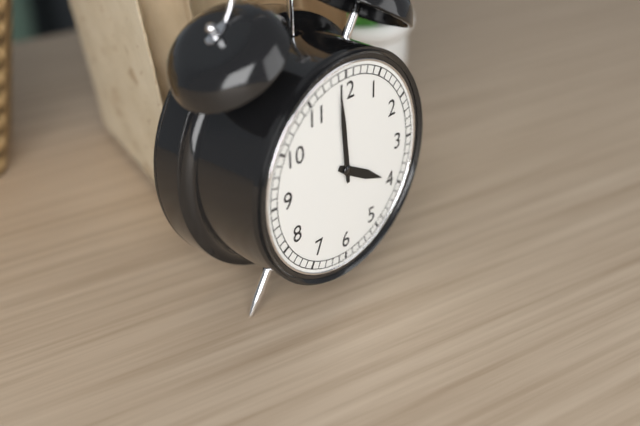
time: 3:59
